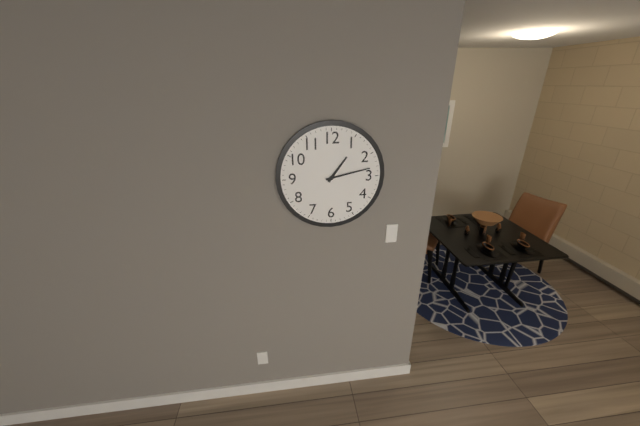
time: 1:13
